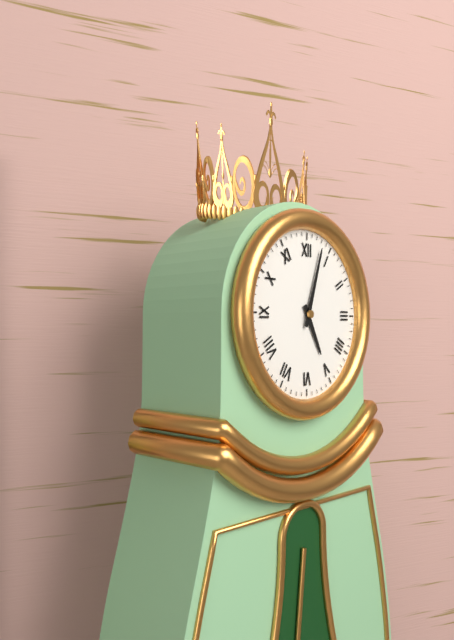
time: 5:03
